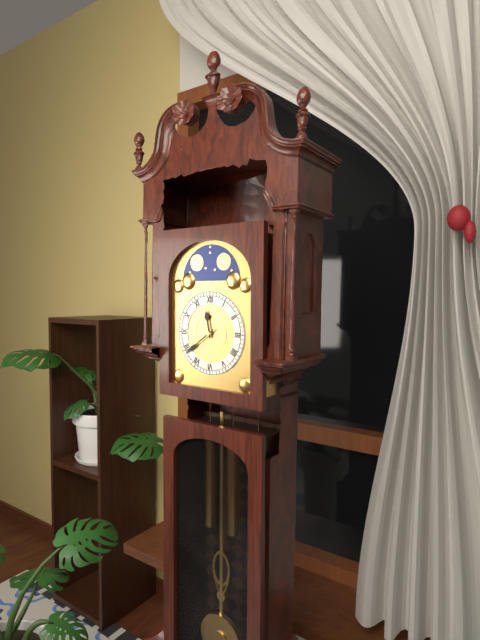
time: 11:39
